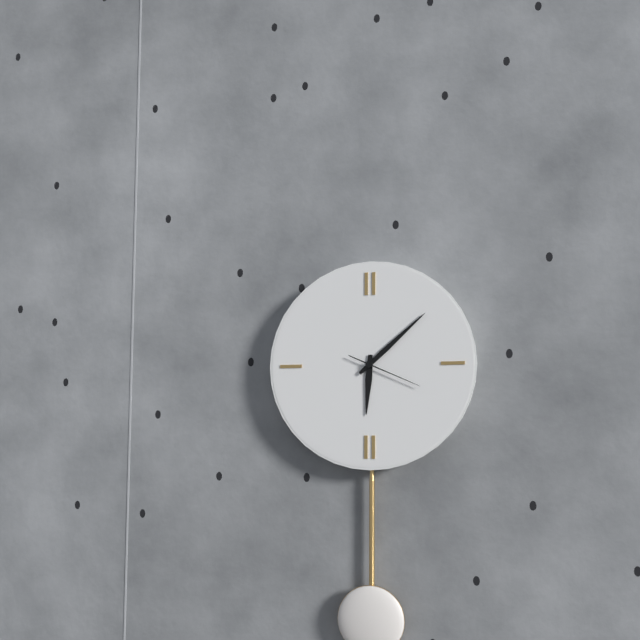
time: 6:08:19
